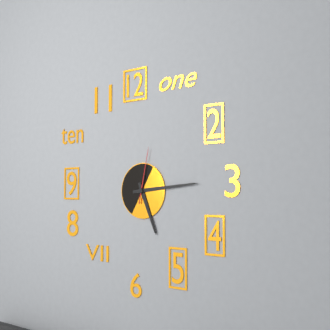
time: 5:14:02
